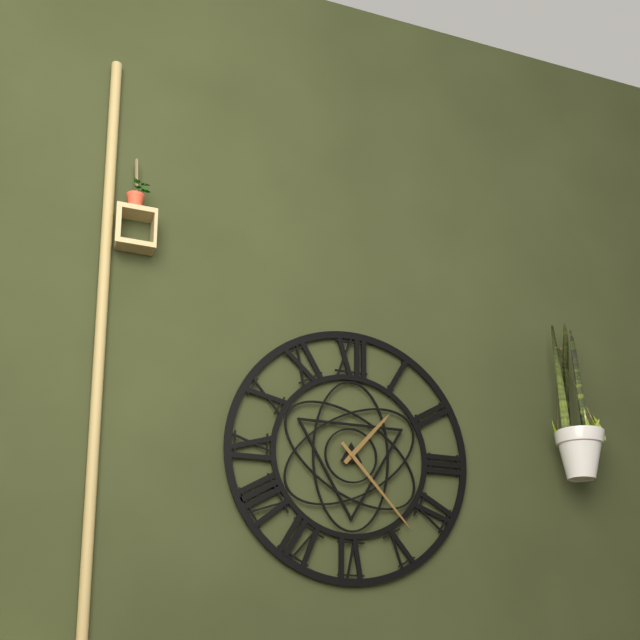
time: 1:23
